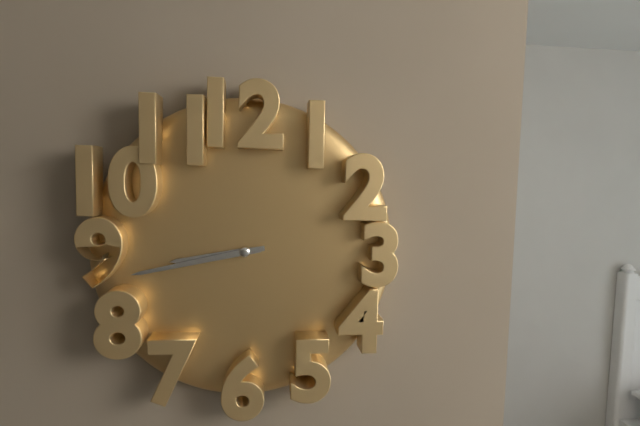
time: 8:43
